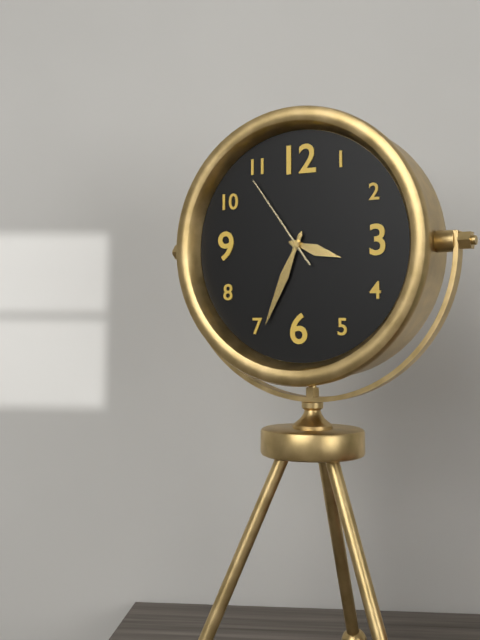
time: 3:34:54
